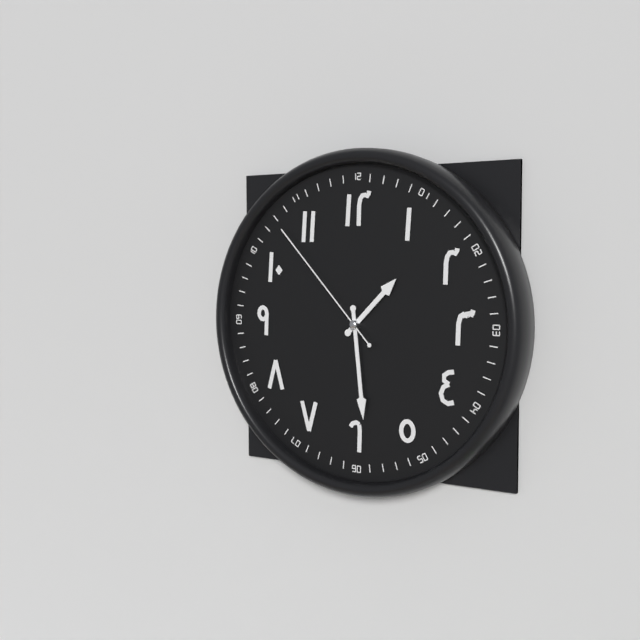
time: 1:29:53
